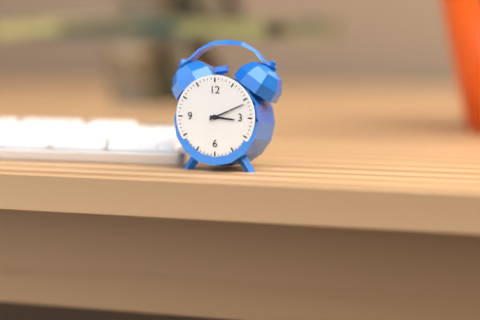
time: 3:11
